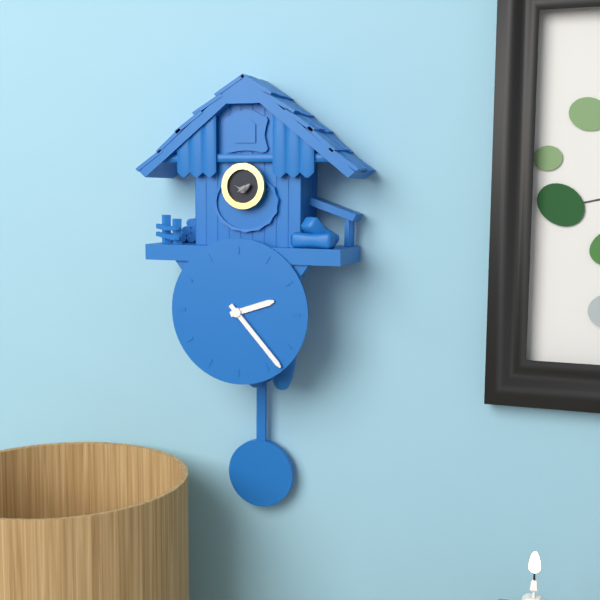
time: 2:23
